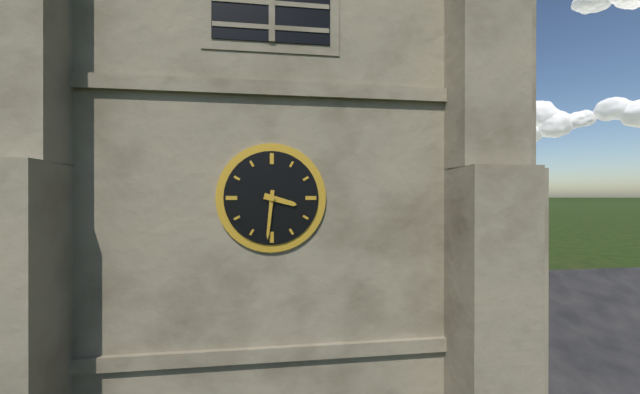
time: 3:31
